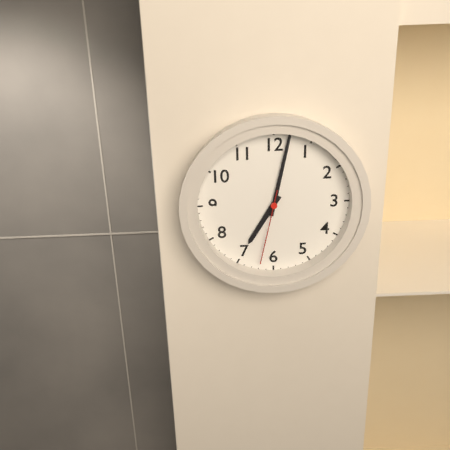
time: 7:02:32
